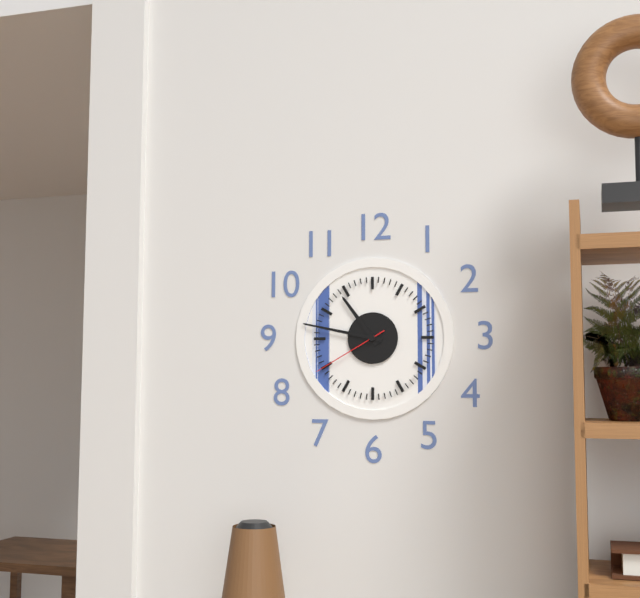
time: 10:47:40
